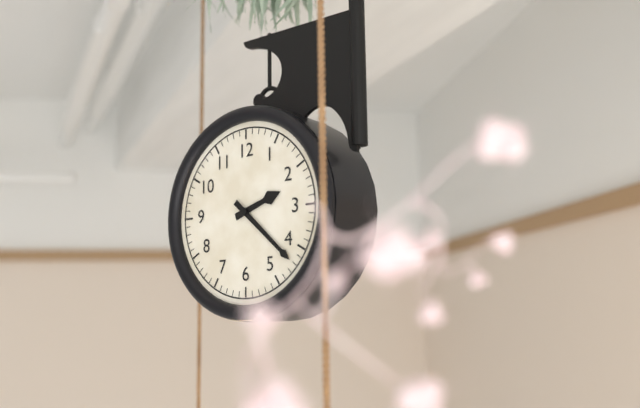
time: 2:22
